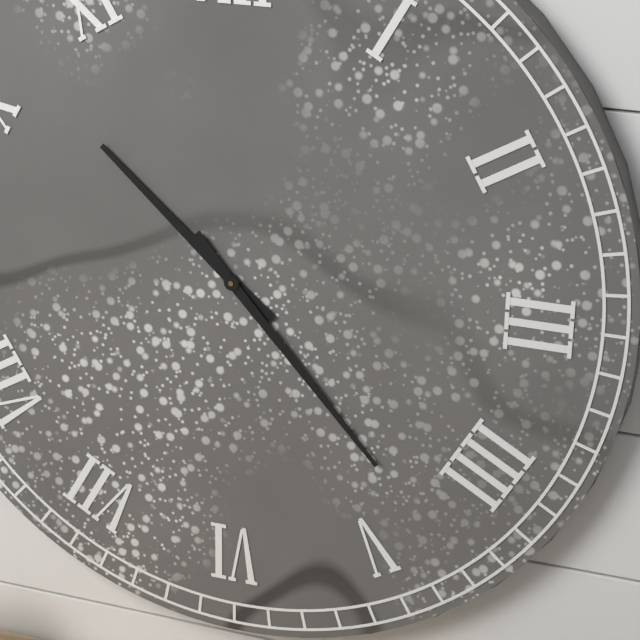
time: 10:23
